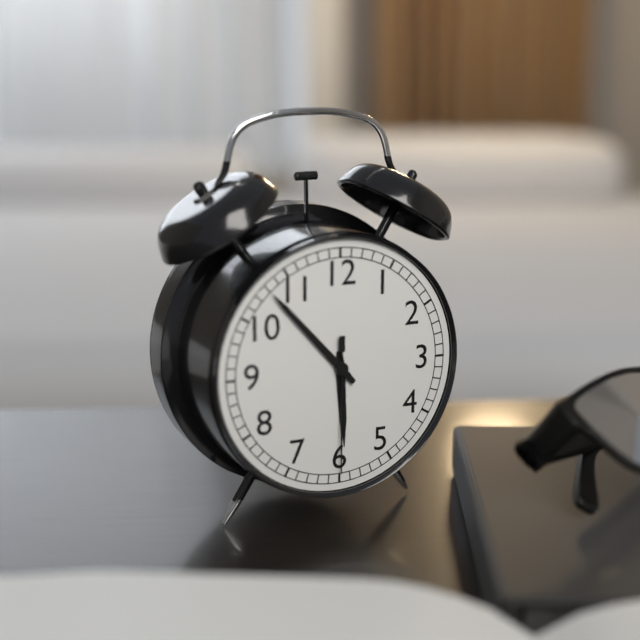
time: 5:53:30
